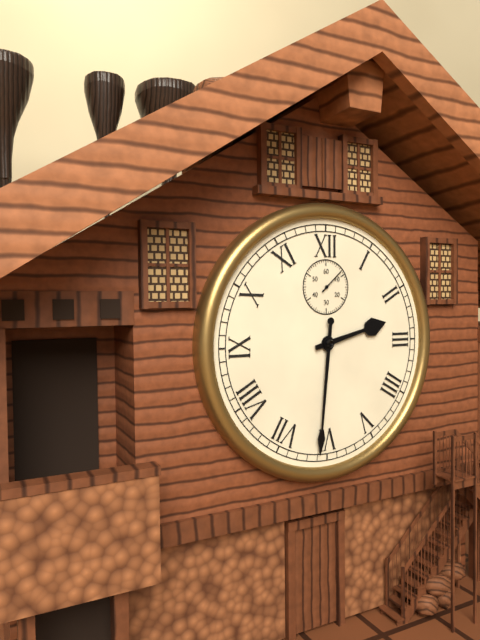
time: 2:31
